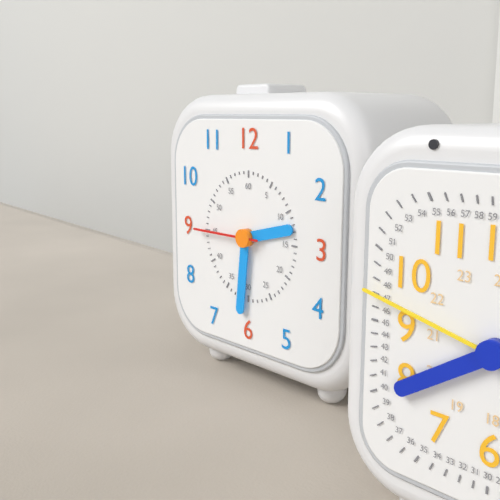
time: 2:31:45
